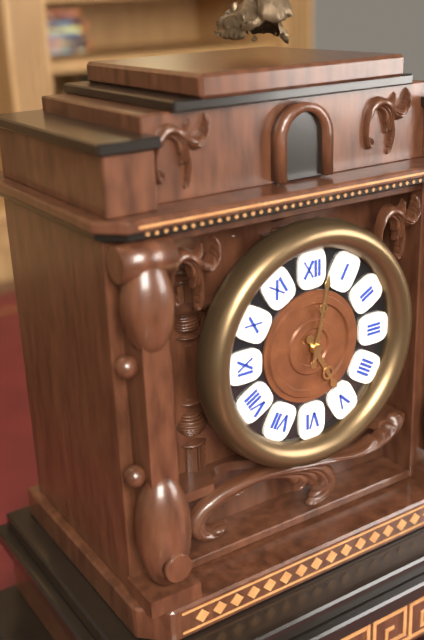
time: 5:02
